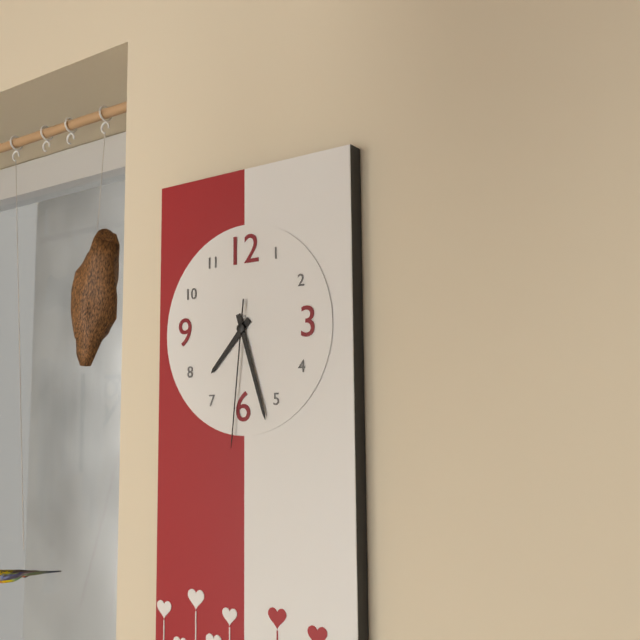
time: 7:27:31
